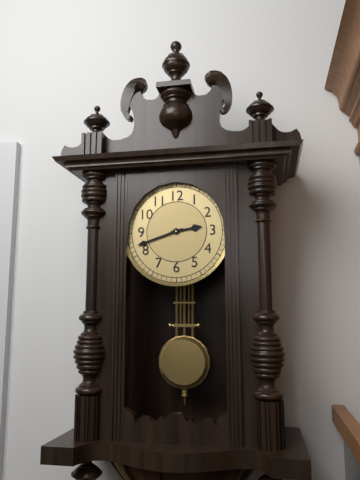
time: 2:42
